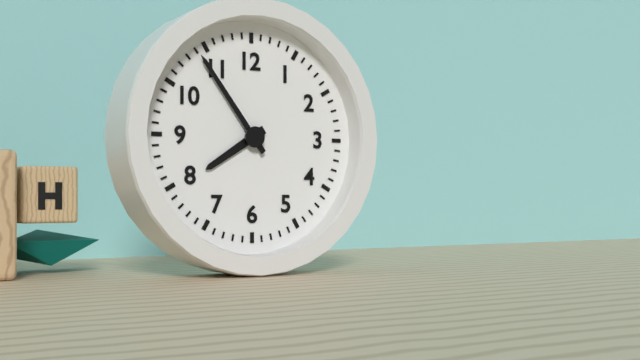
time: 7:54
